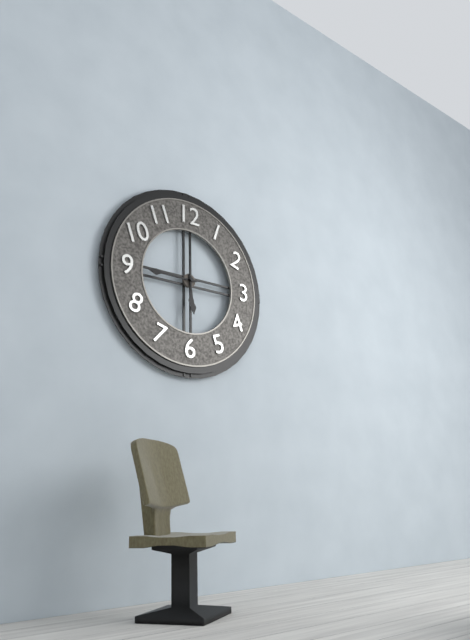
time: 5:45:00
